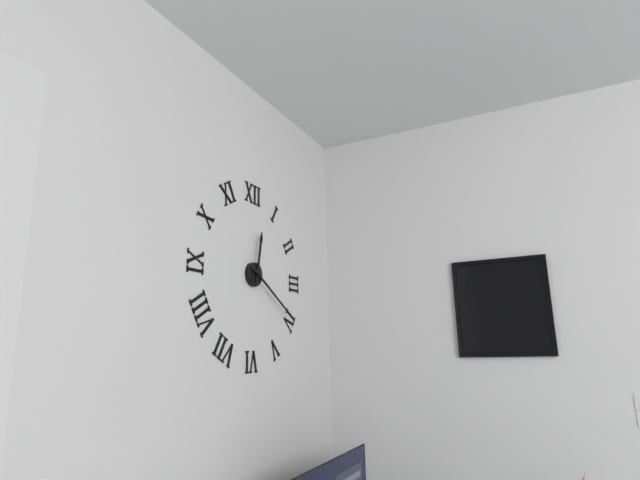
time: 12:20
